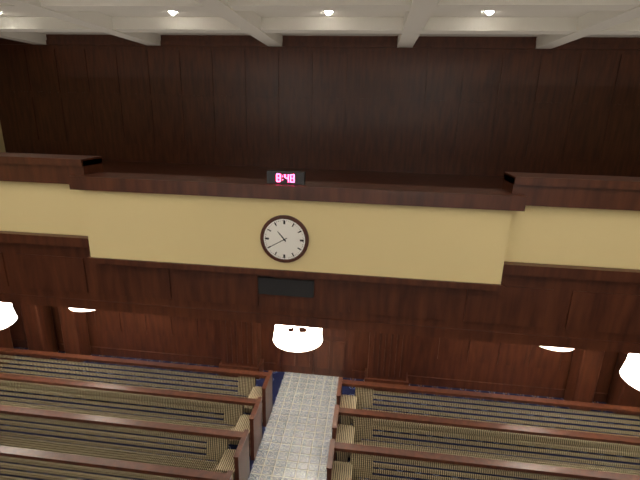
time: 10:40
